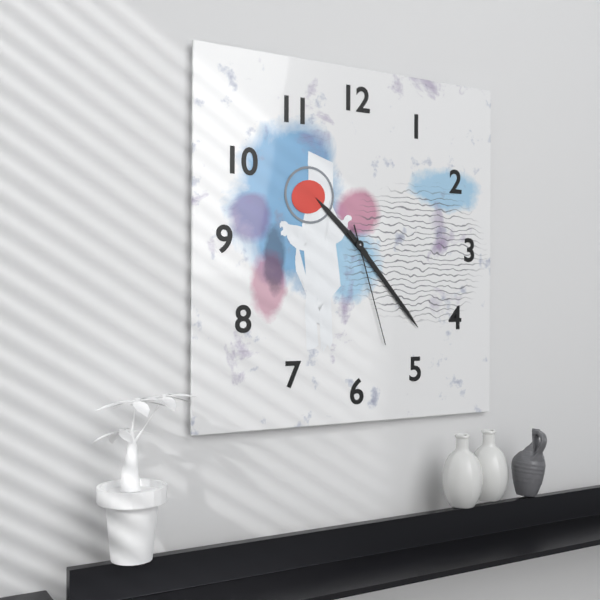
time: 10:23:27
